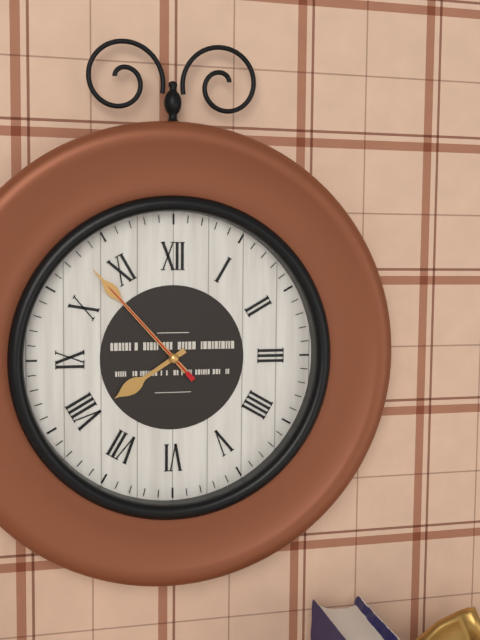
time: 7:53:53
